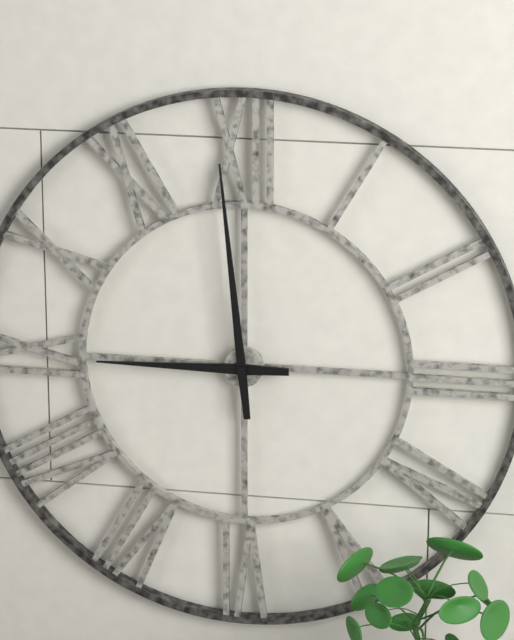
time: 8:59
